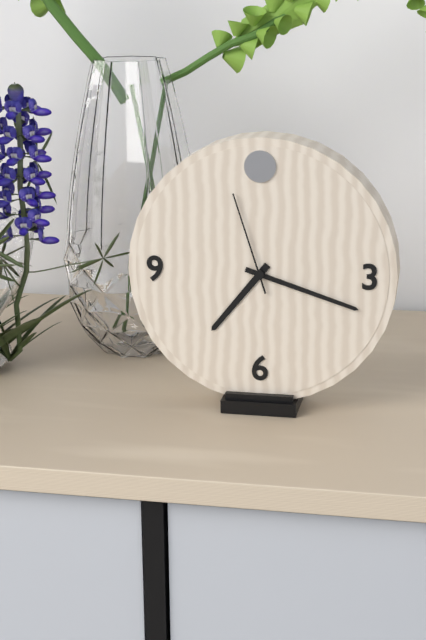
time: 7:18:57
